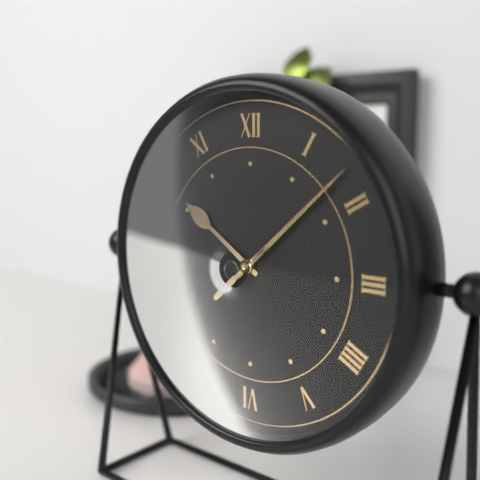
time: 10:08:08
